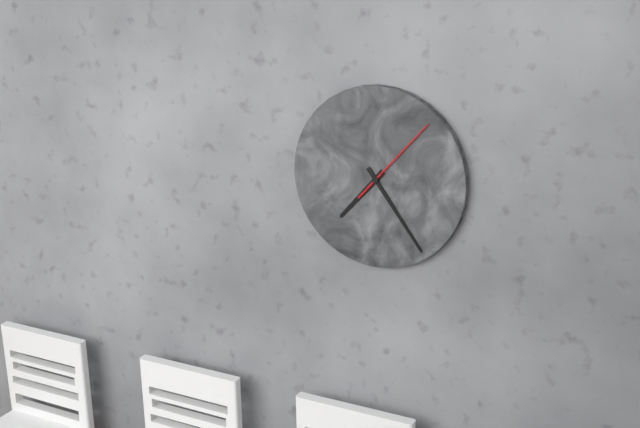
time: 7:24:07
